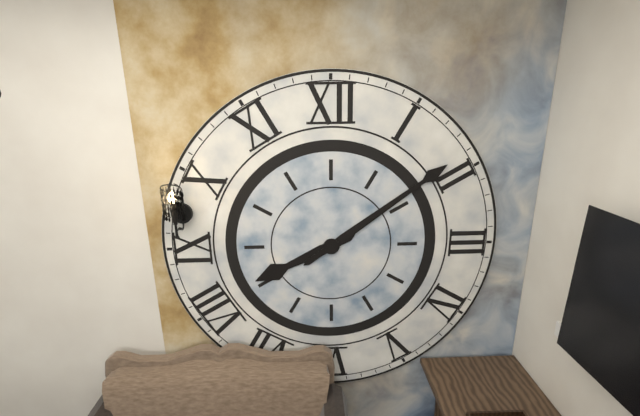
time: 8:09
